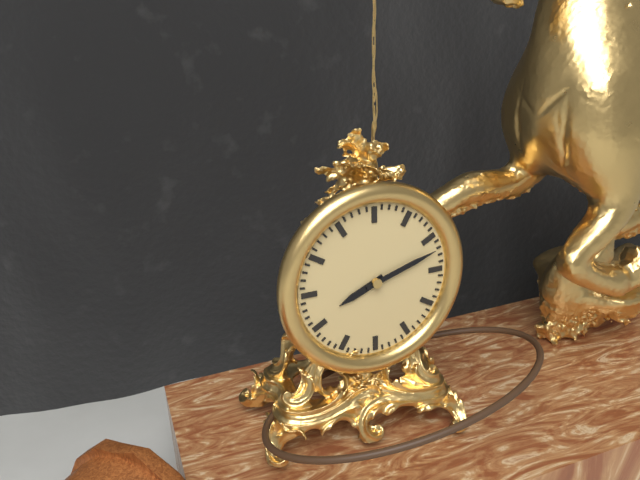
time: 8:12
